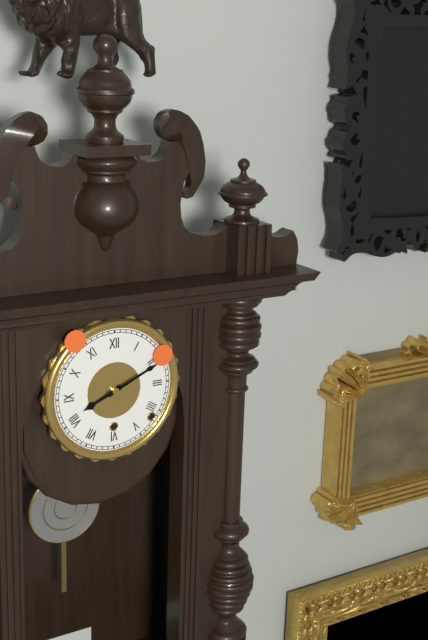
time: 8:11
